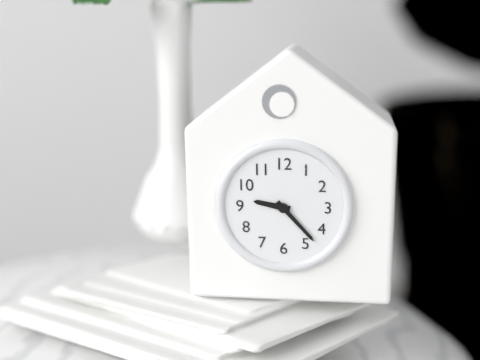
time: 9:23
